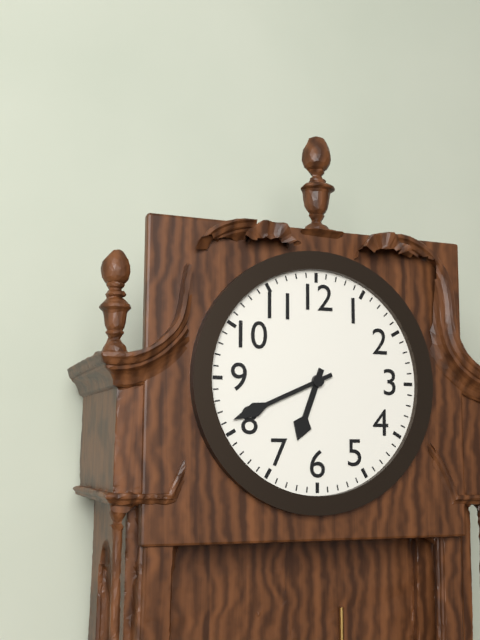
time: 6:41
